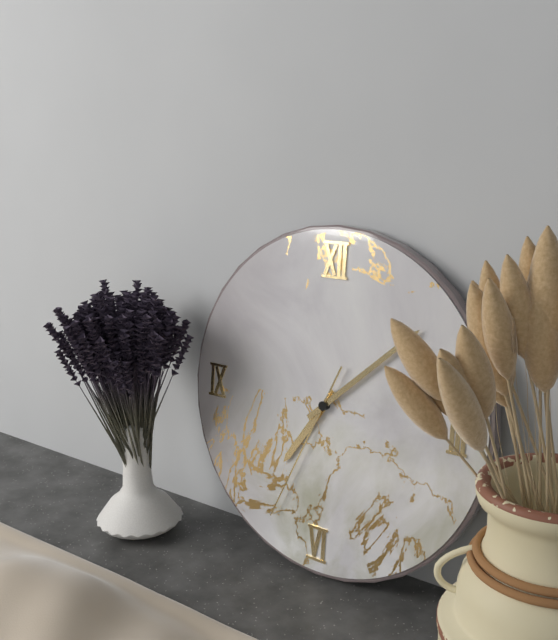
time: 7:08:34
